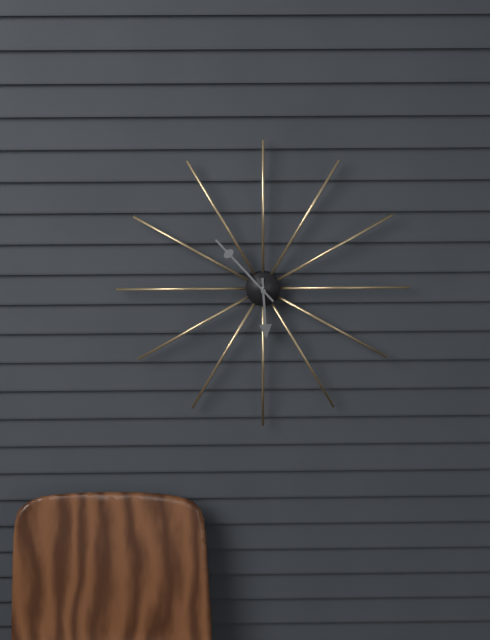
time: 5:53
